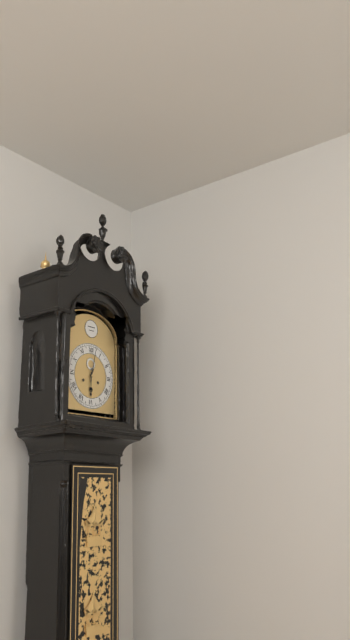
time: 6:02
